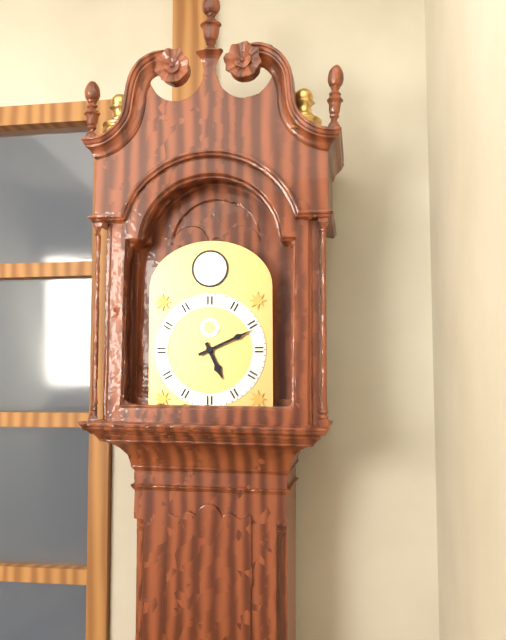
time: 5:11
